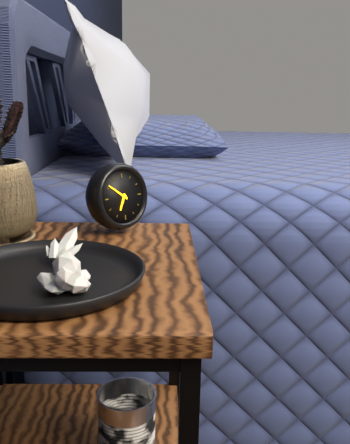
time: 6:51
